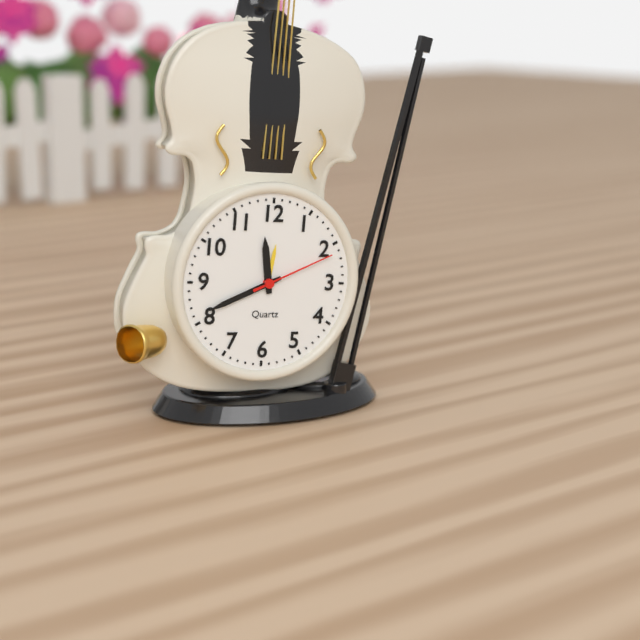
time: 11:41:11
